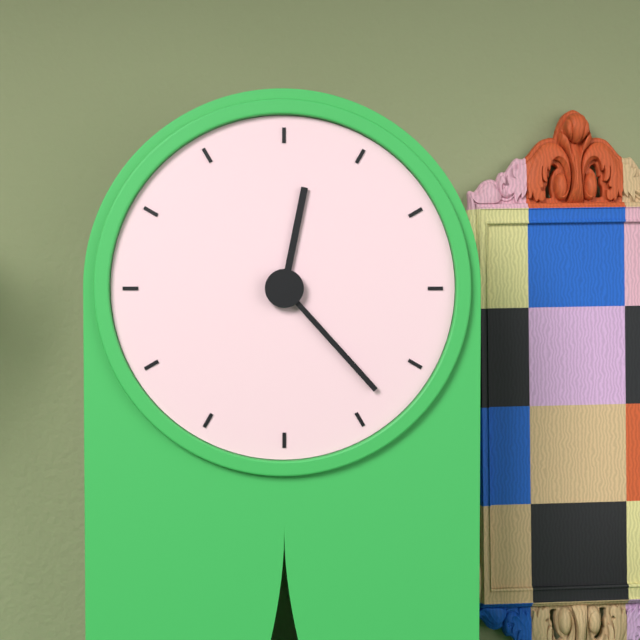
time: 12:23
